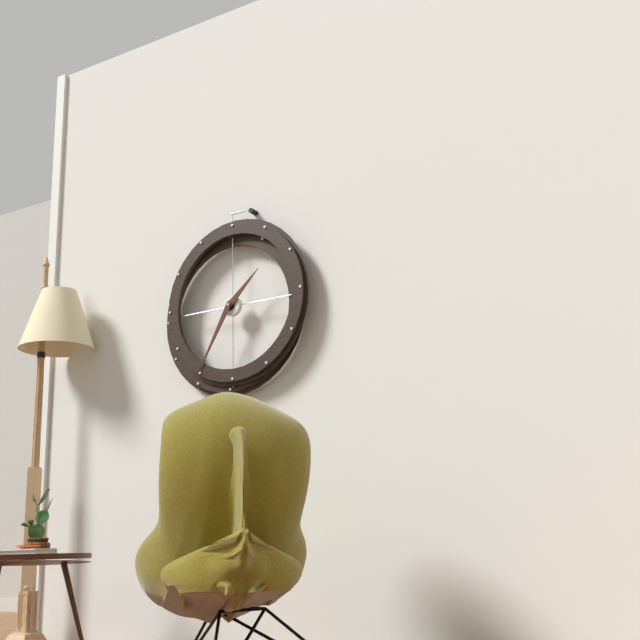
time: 1:35
